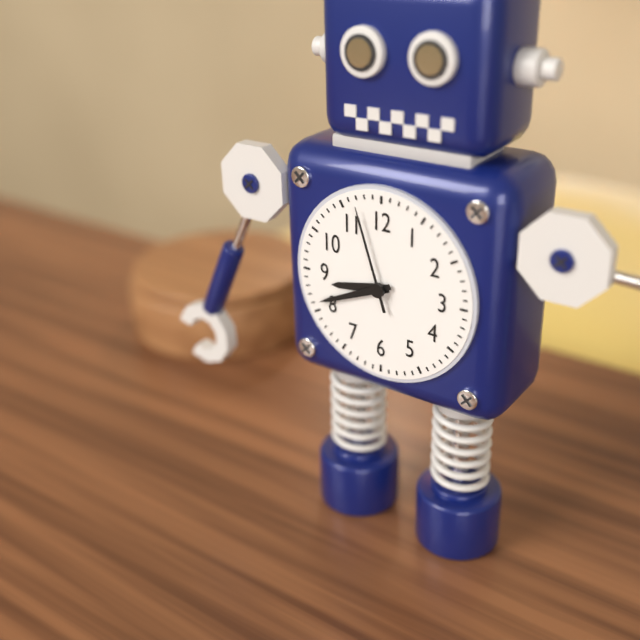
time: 8:41:57
